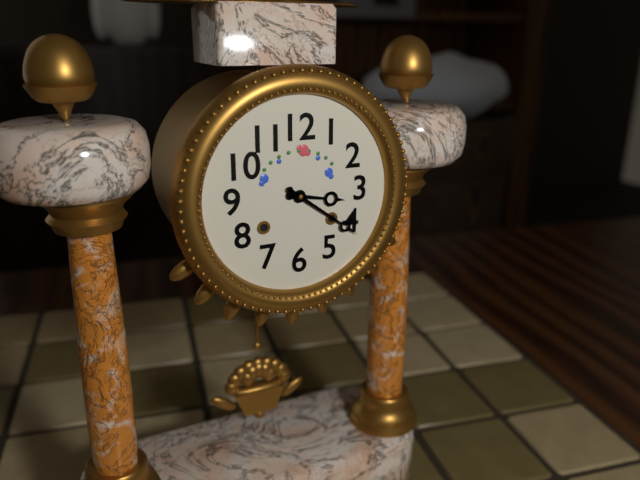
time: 3:21
